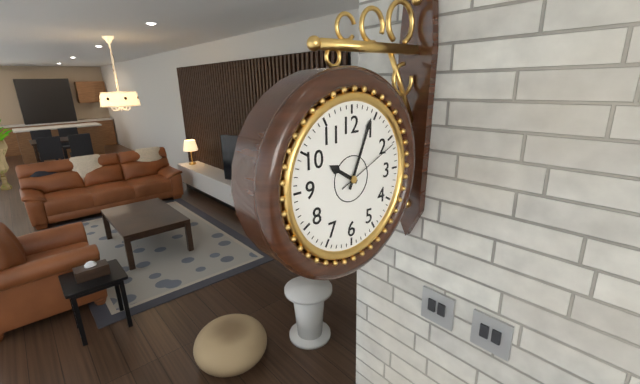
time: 10:04:11
